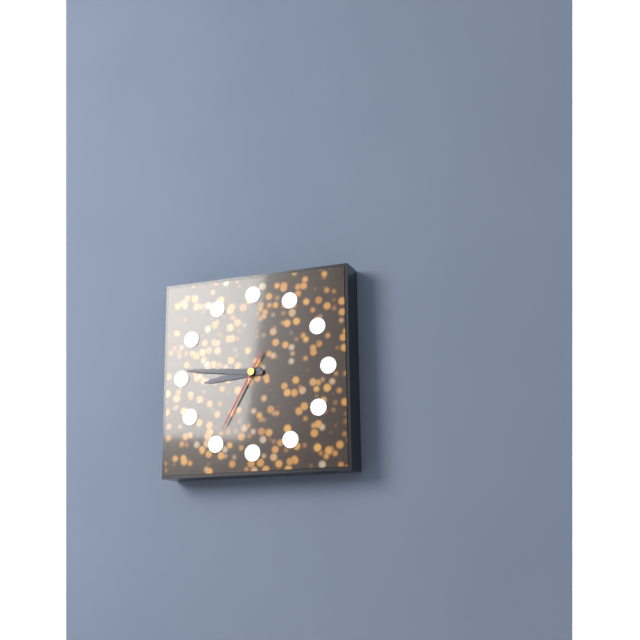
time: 8:46:35
